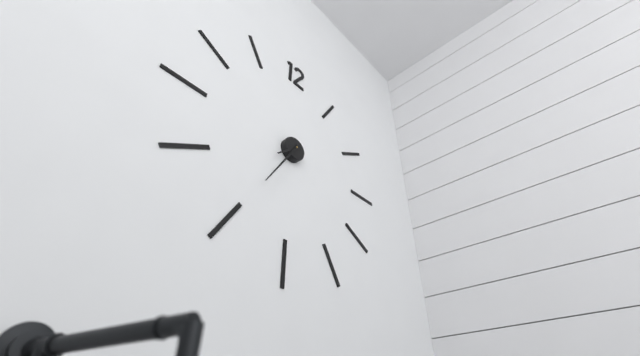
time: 7:35
